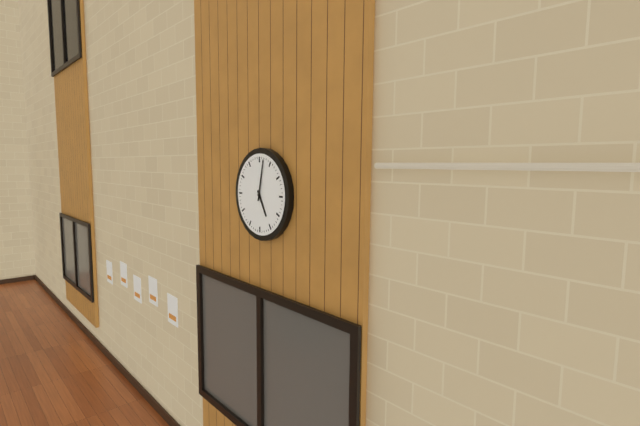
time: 5:02
